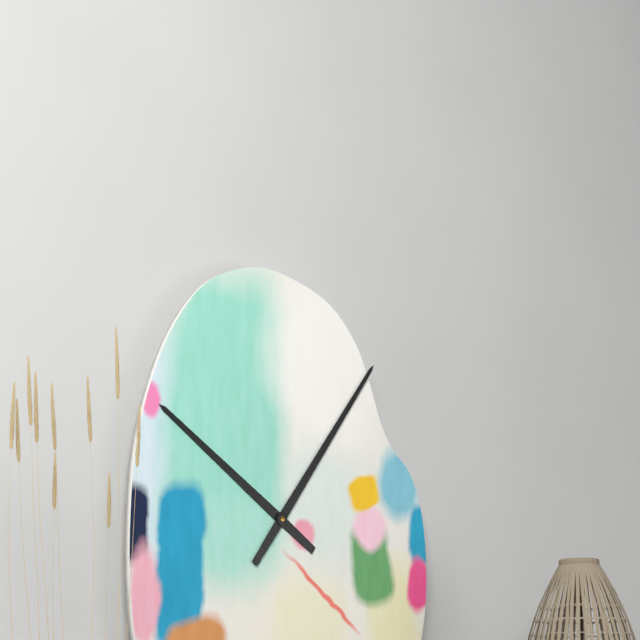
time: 10:06
